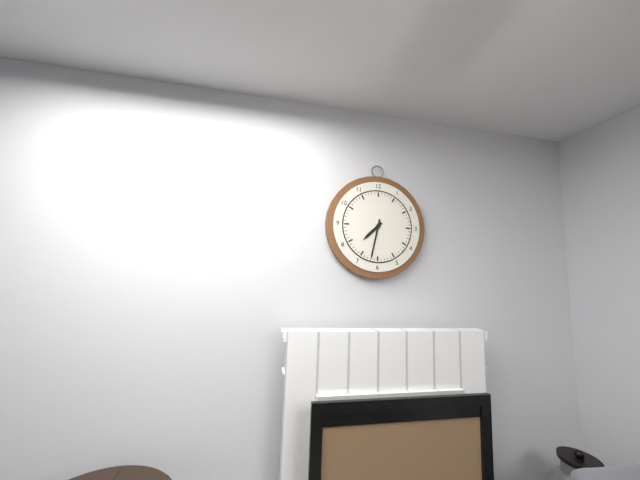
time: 7:32
